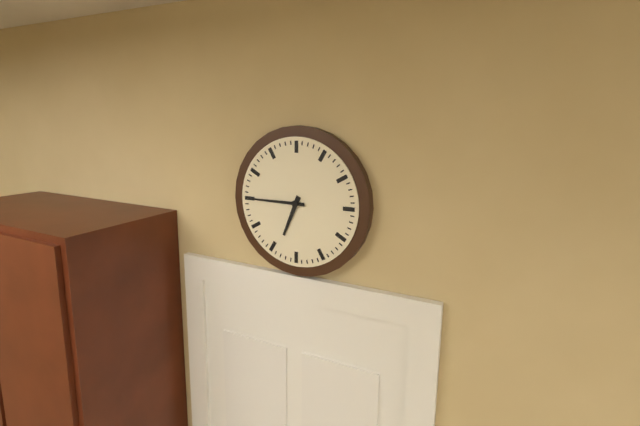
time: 6:45
